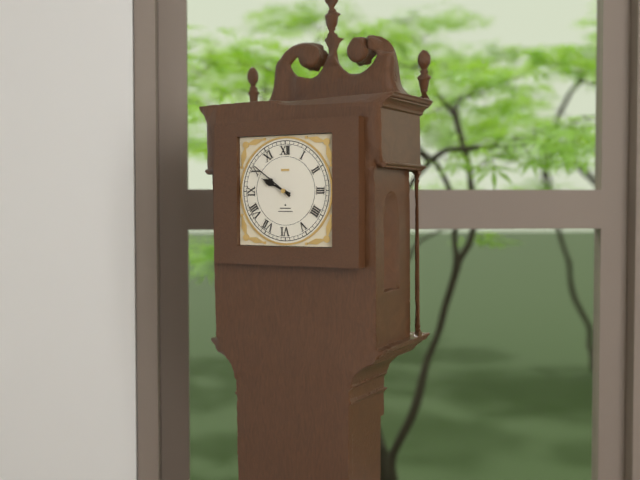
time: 9:51
